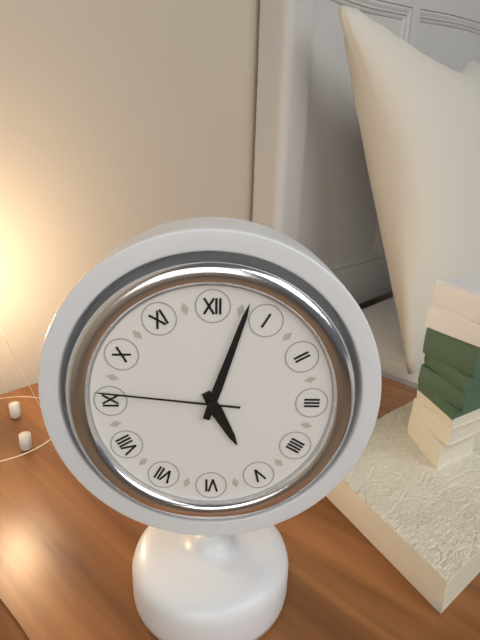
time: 5:03:46
